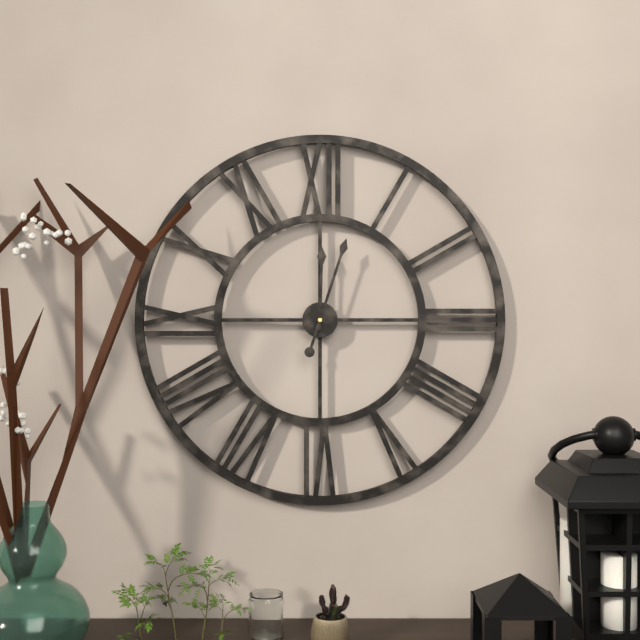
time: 12:03
